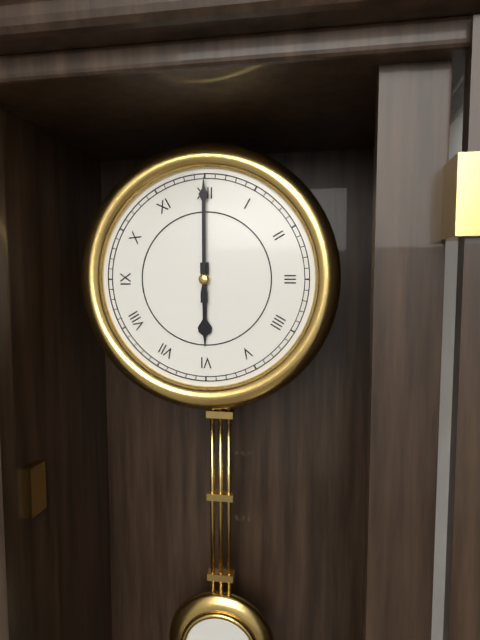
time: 6:00
